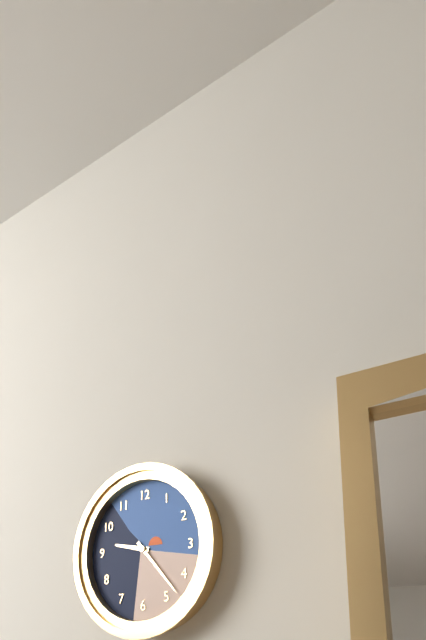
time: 9:23
